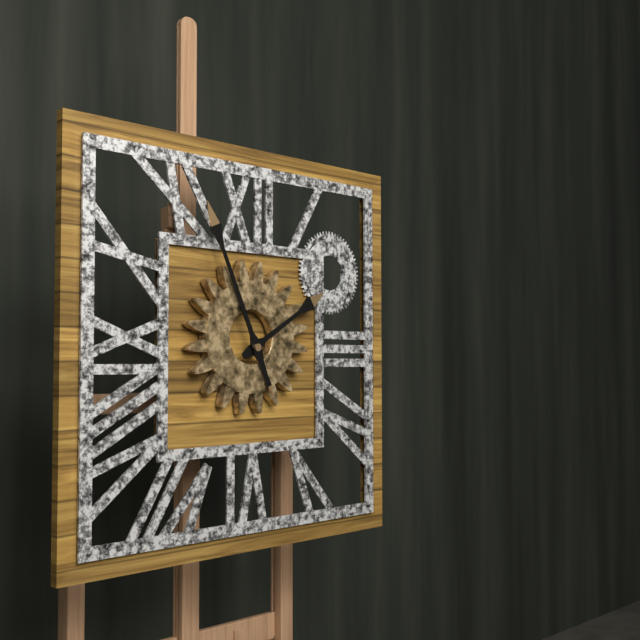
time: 1:56
